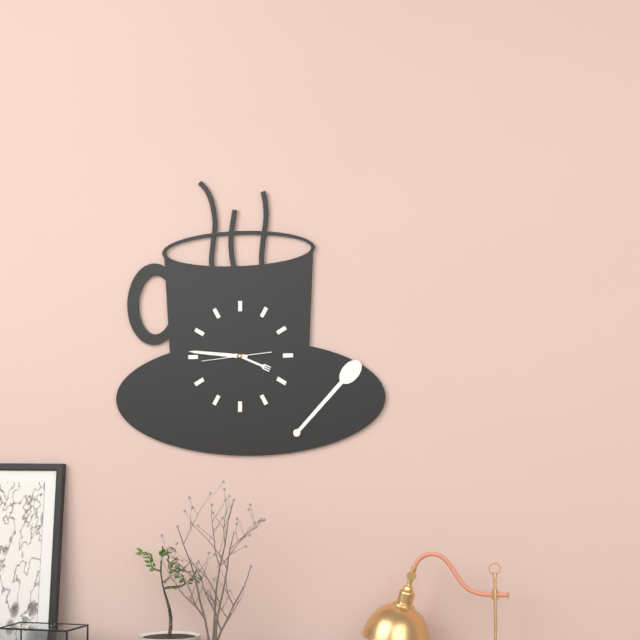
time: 3:46:44
